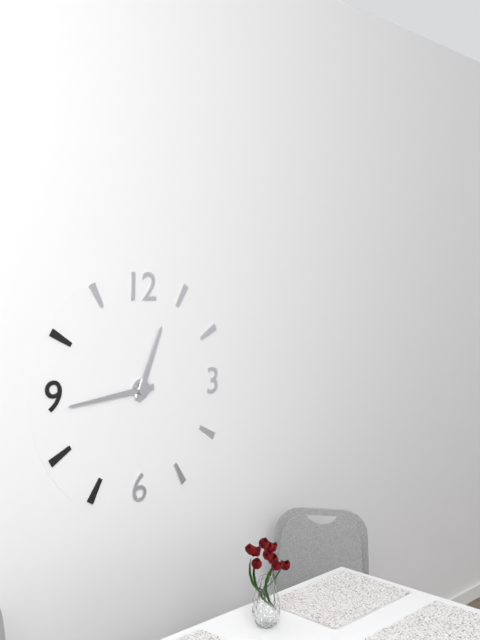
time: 12:44
